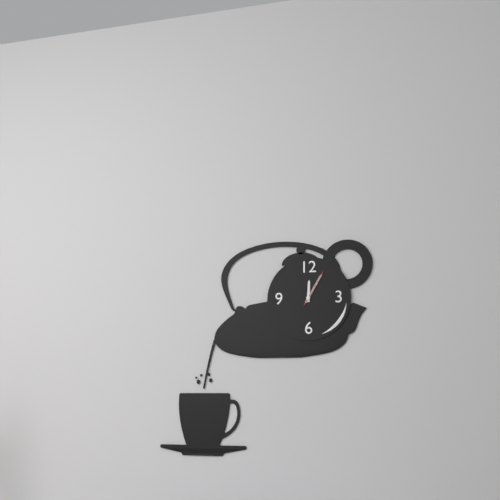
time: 12:05
